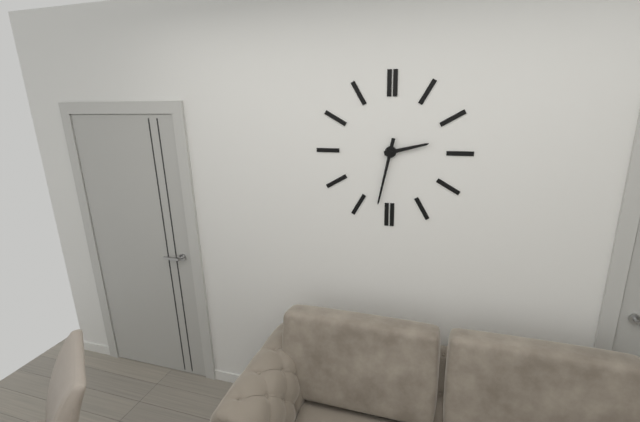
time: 2:32
